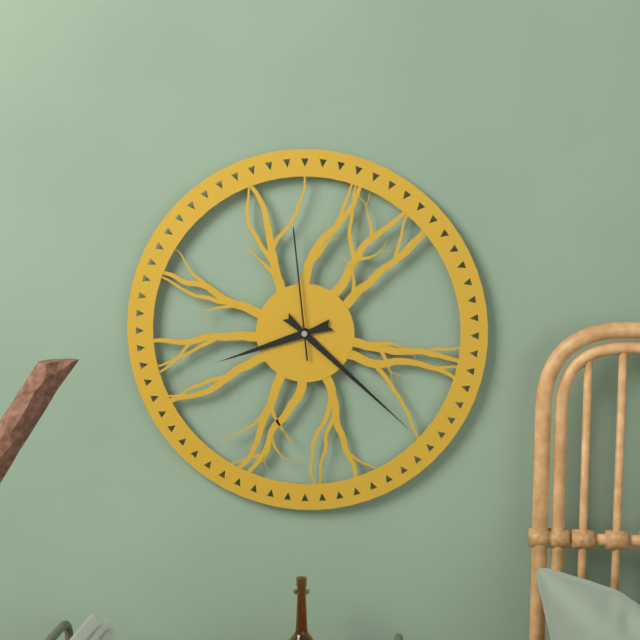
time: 8:22:59
